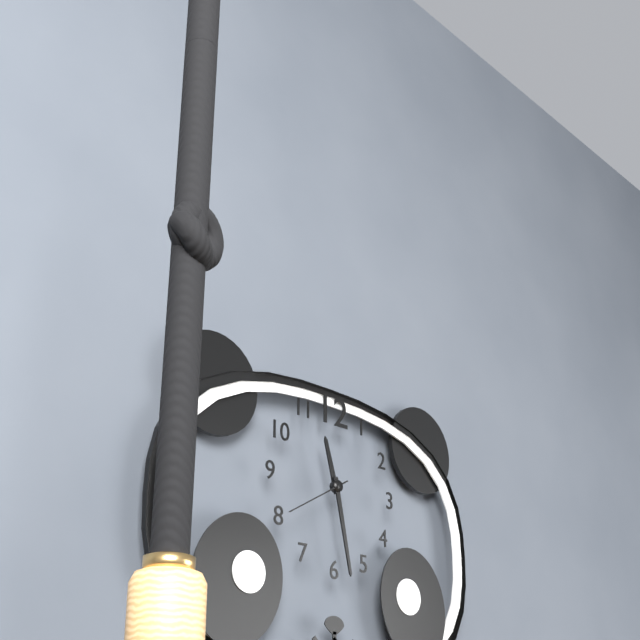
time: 11:28
